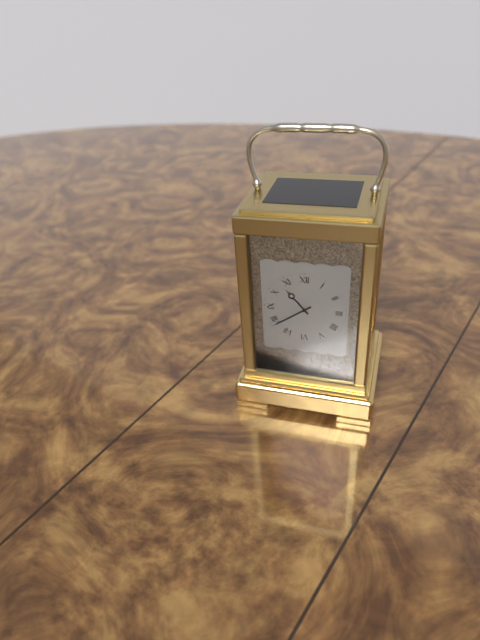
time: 10:39
